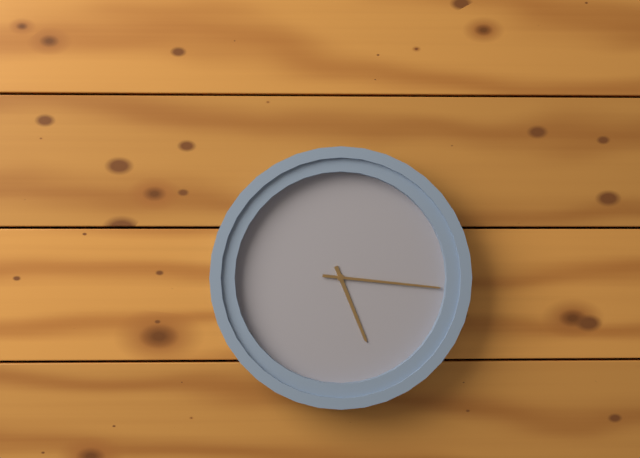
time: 5:16
